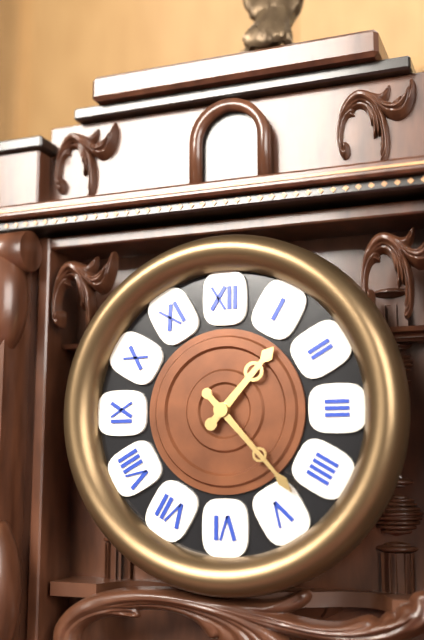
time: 1:23
